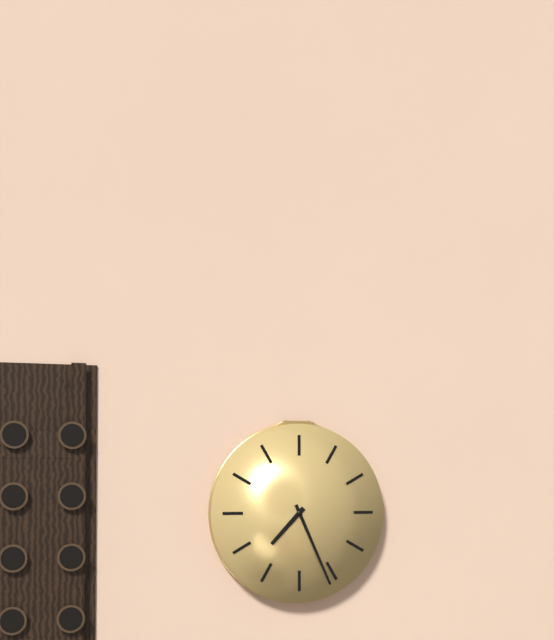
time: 7:26
